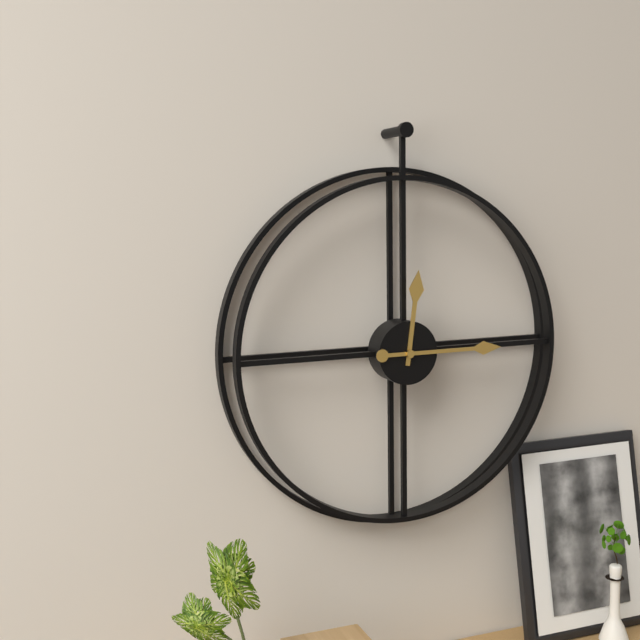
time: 12:15
